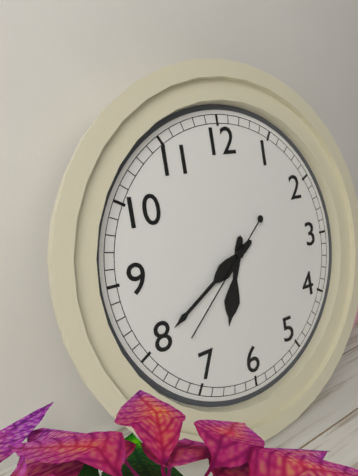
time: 6:40:38
